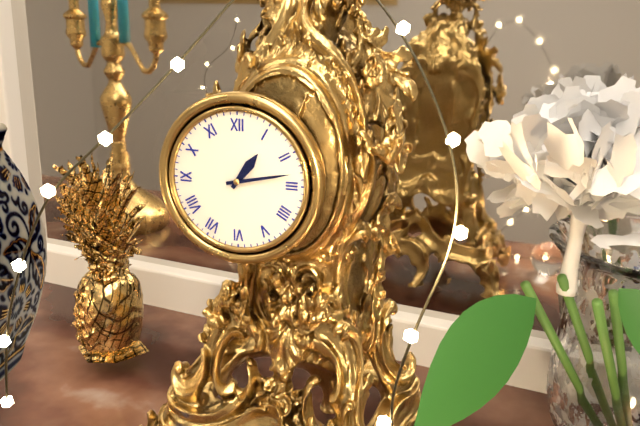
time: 1:13
